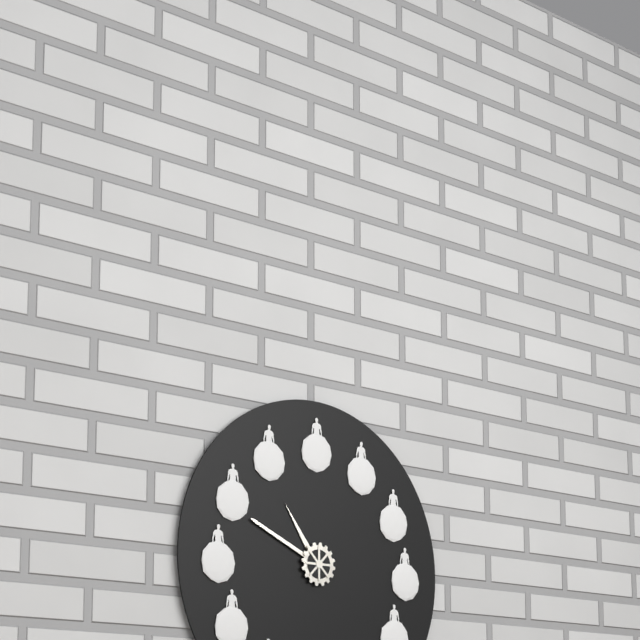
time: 10:49
